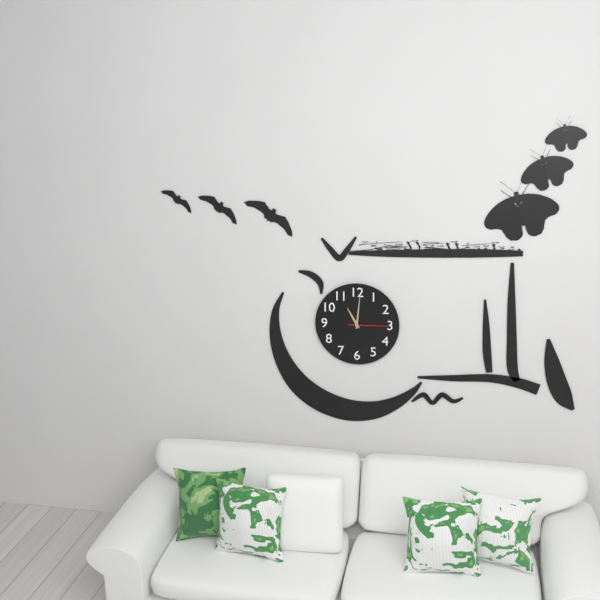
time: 11:01
